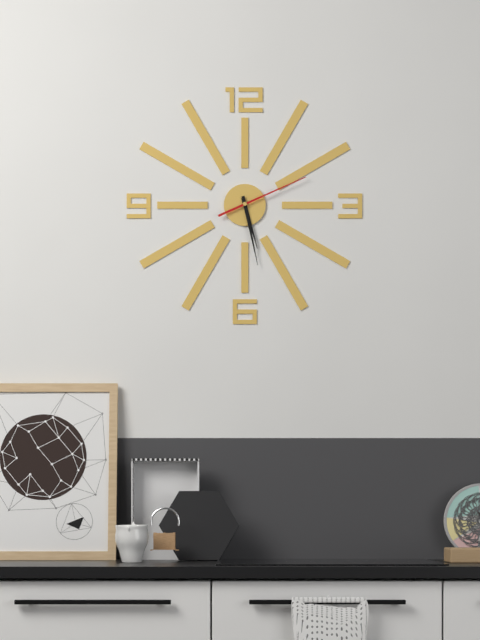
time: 5:28:11
